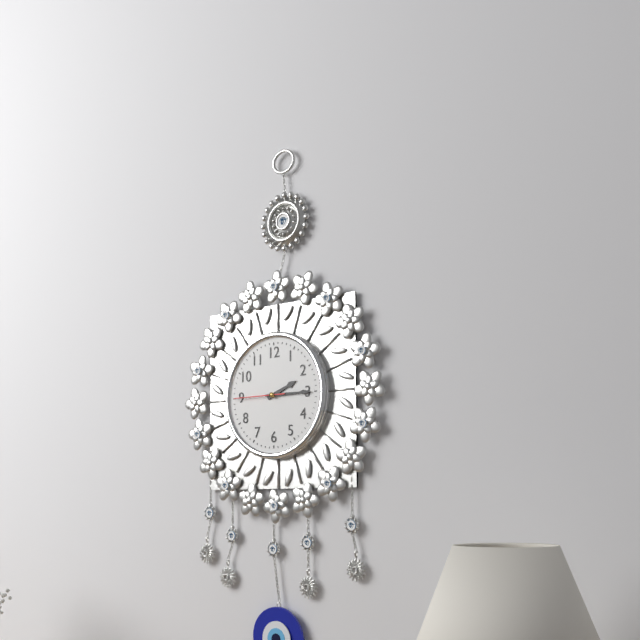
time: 2:15:45
